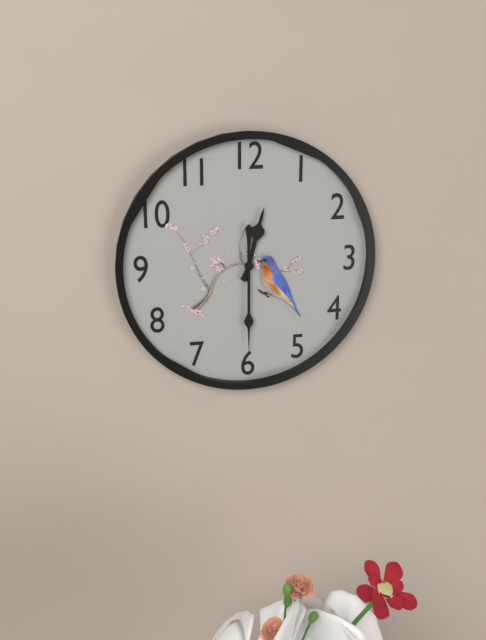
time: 12:30
